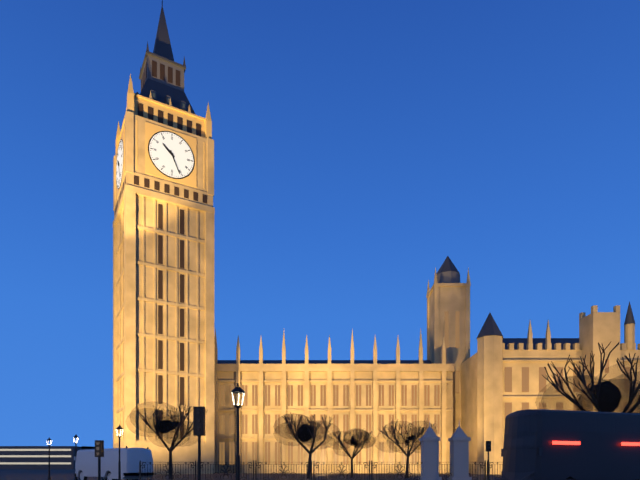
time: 10:26
